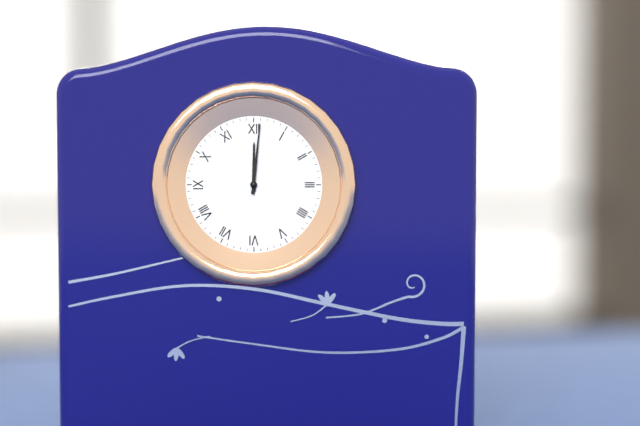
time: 12:01
